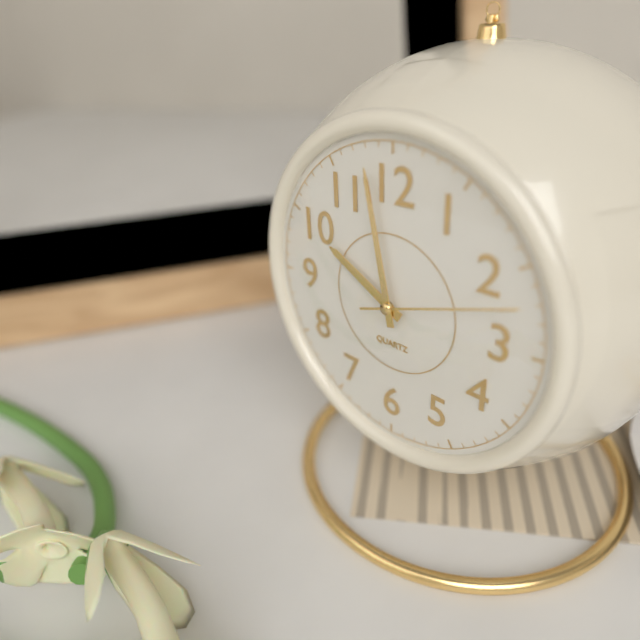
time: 9:58:12
